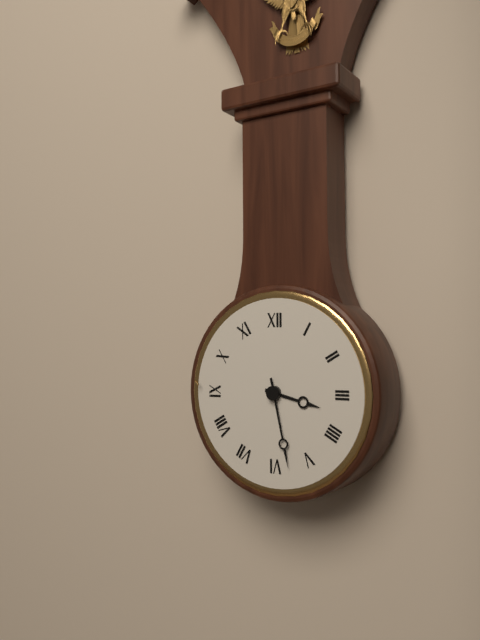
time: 3:28
